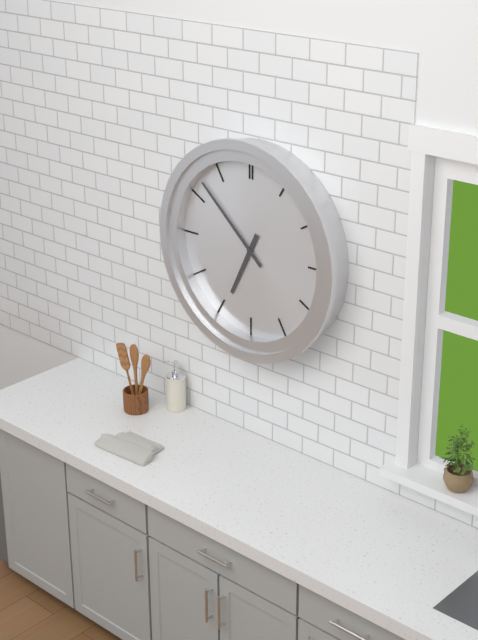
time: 6:52
